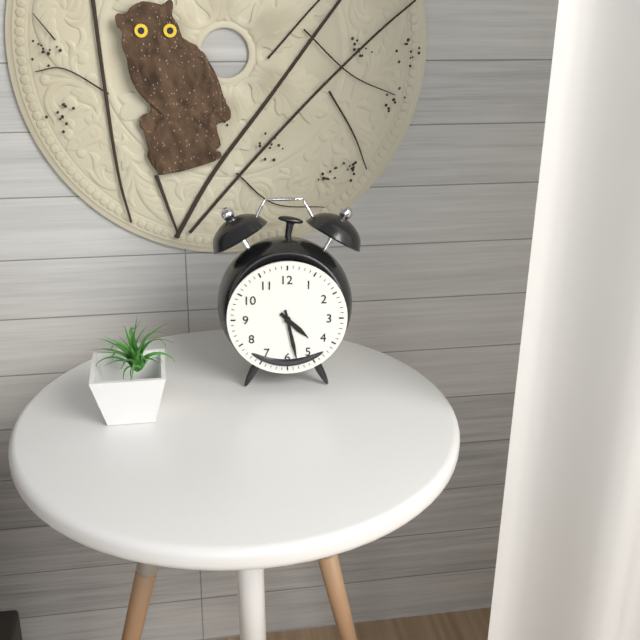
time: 4:28
